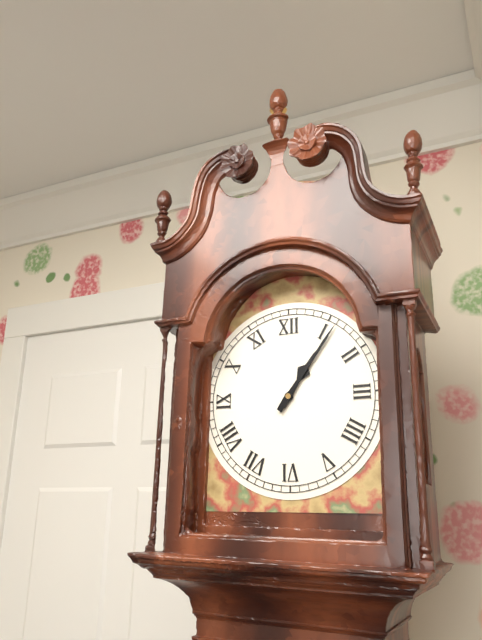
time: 1:06
